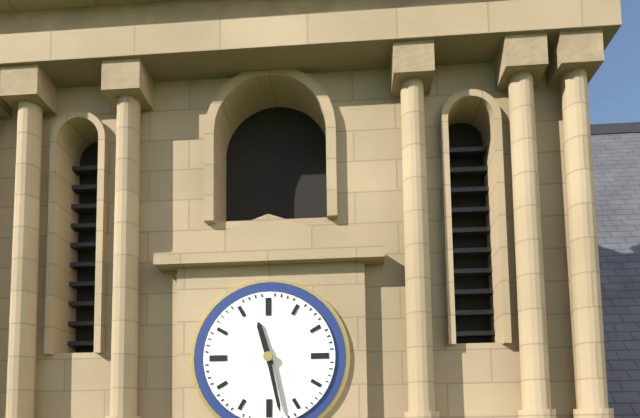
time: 11:28
